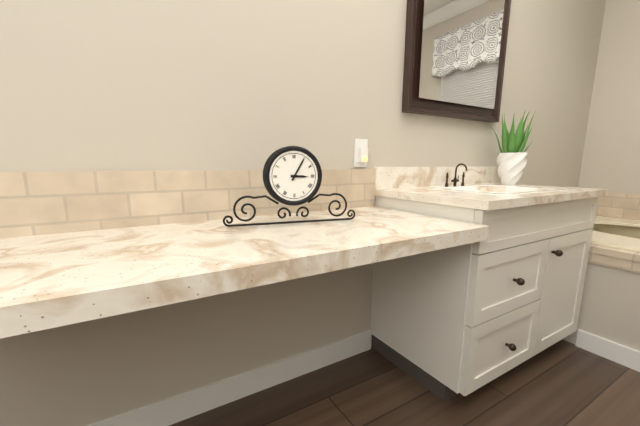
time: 3:05
